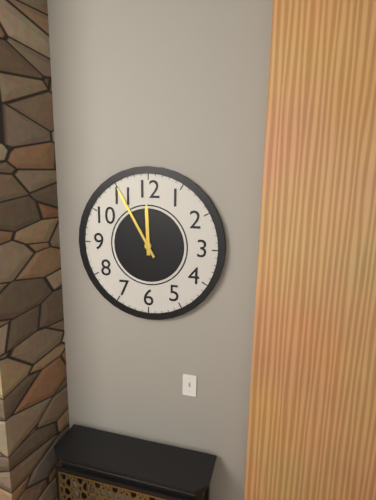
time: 11:55
